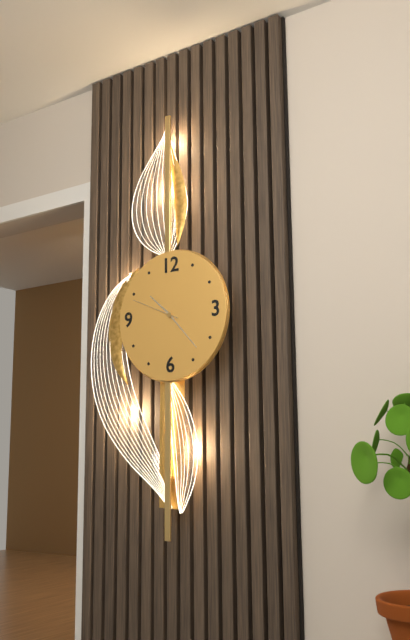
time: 10:23
